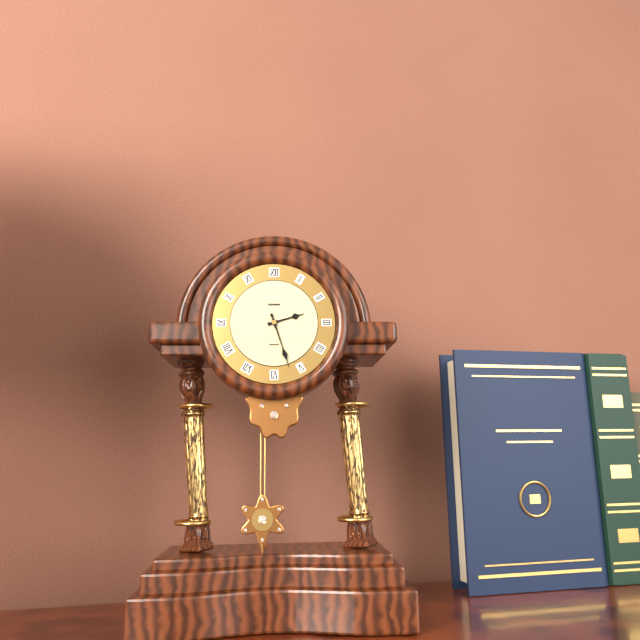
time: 2:27
